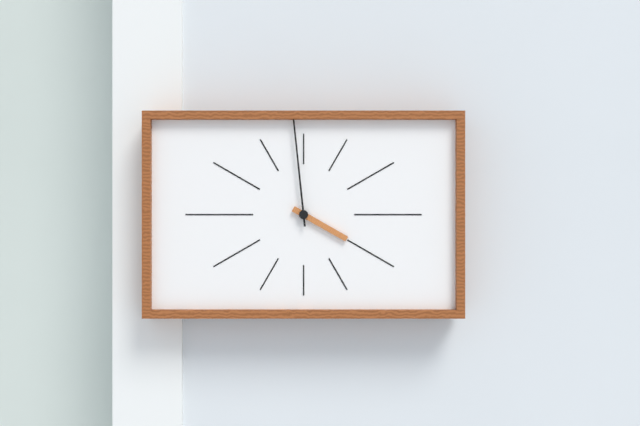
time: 3:59
